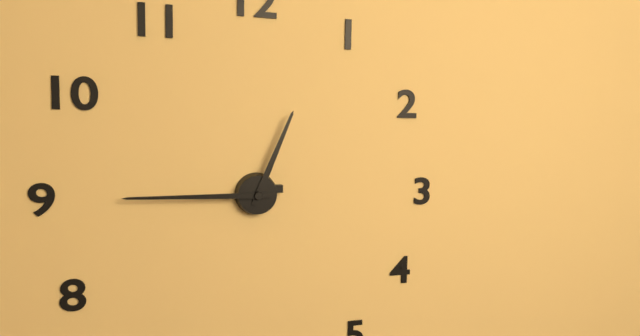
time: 12:45
